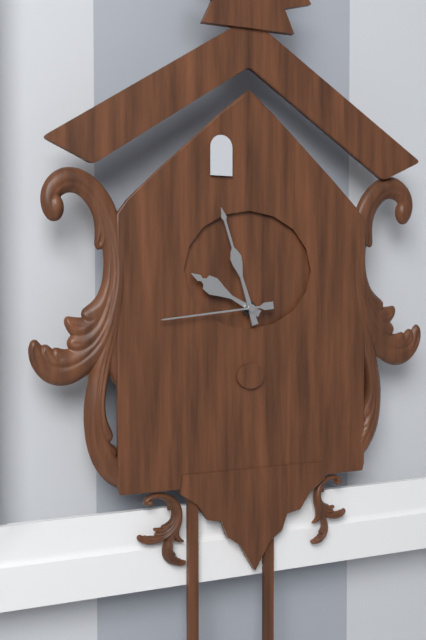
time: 9:57:44
